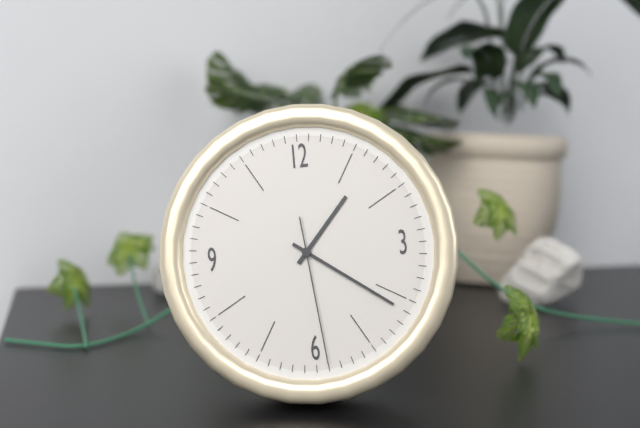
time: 1:21:29
